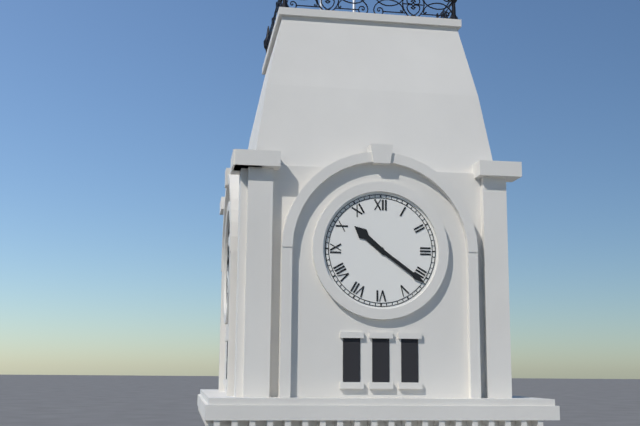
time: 10:21
